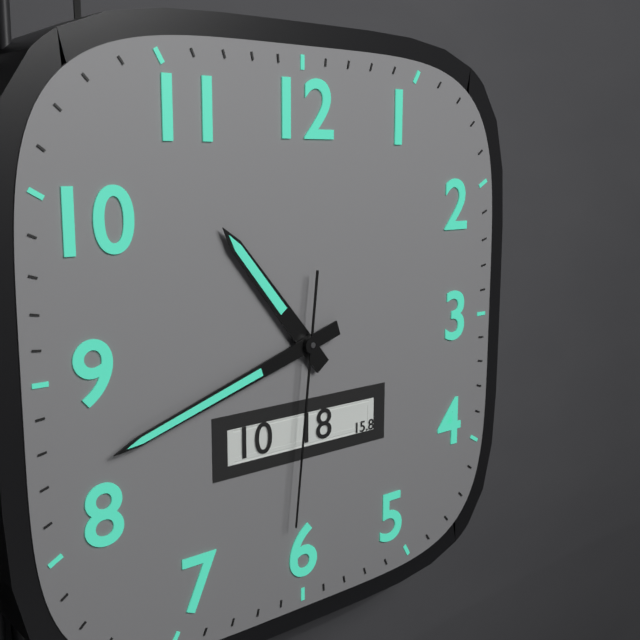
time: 10:42:31
